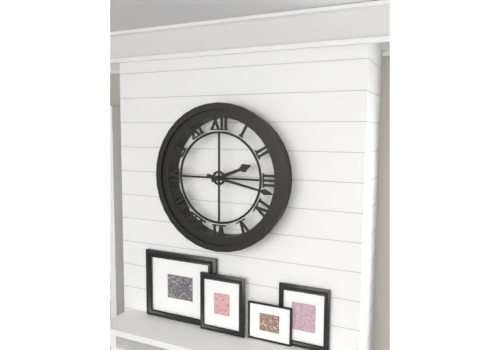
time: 2:17
